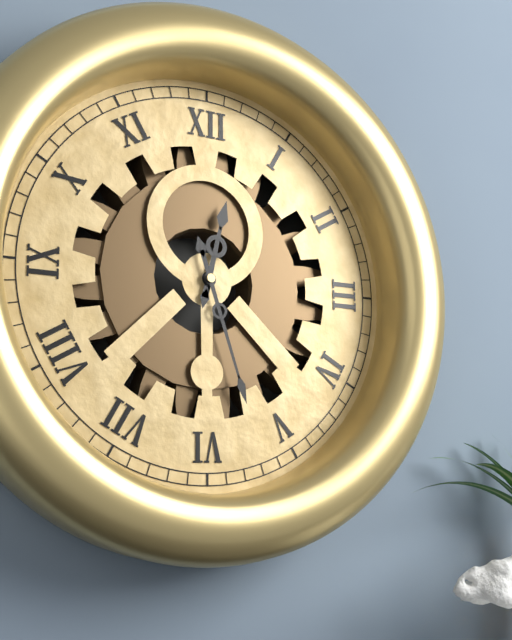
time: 12:27
